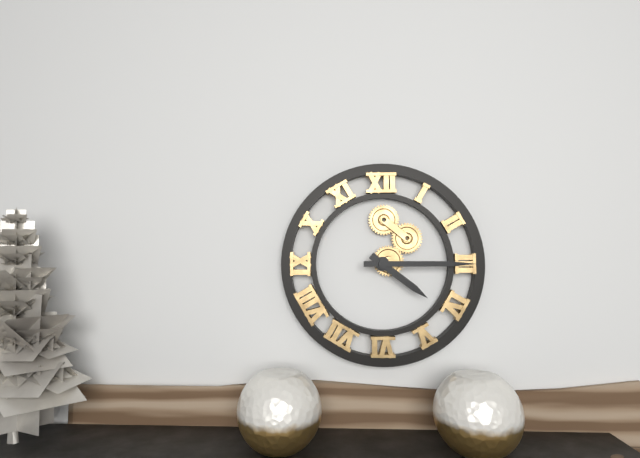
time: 4:15
